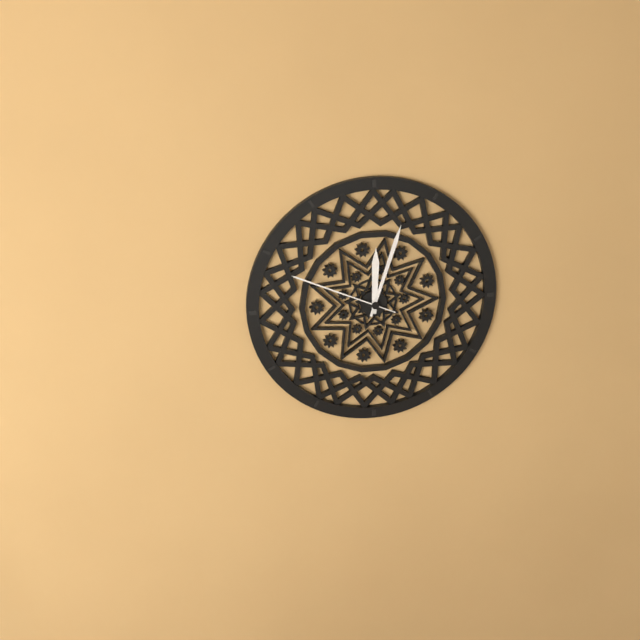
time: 12:03:49
